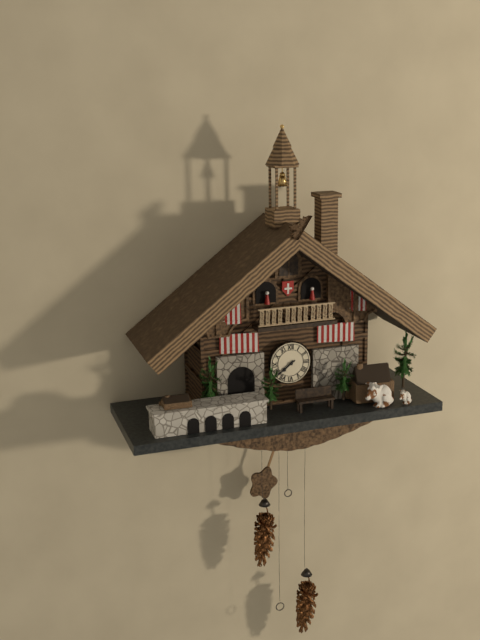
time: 7:39
